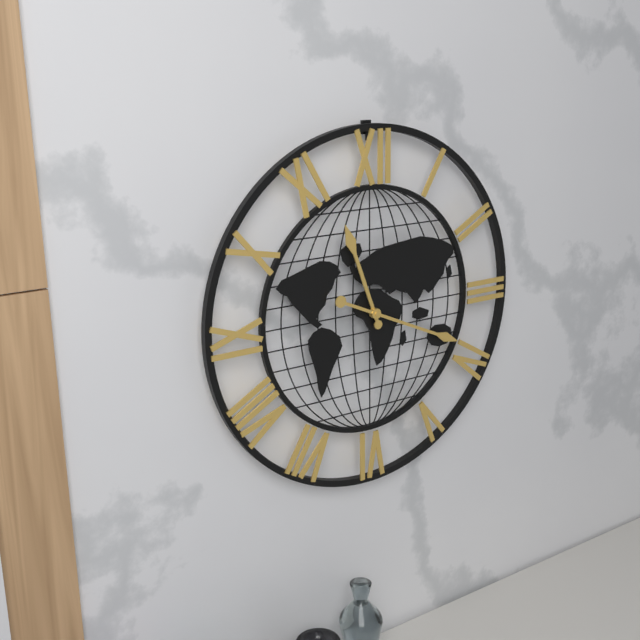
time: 11:19
